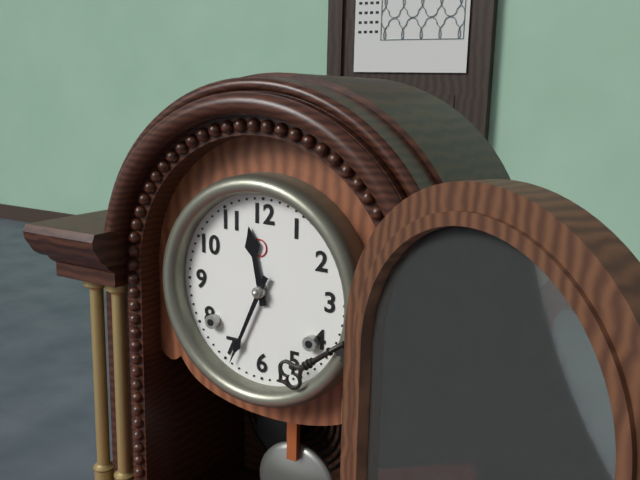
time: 11:34
